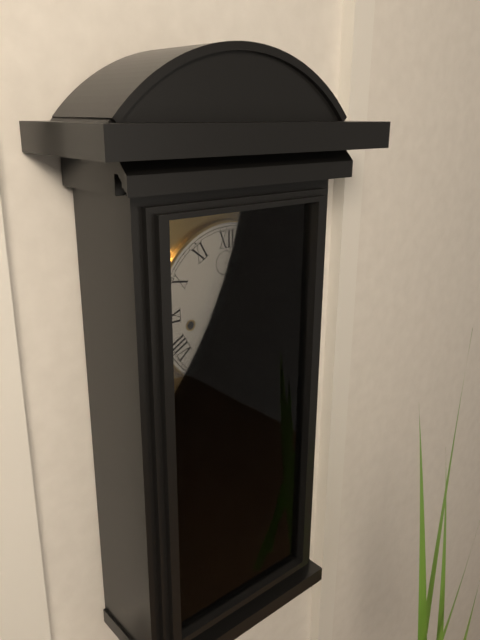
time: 5:13
